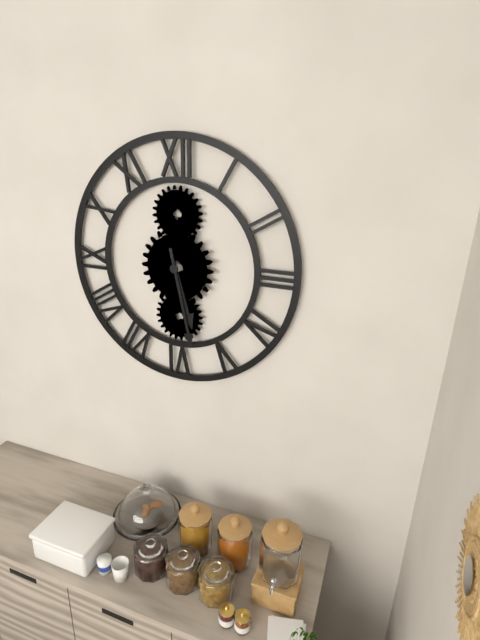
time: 5:28
